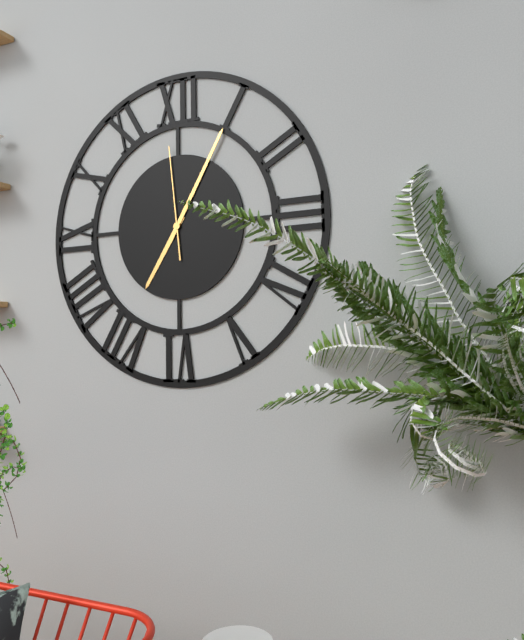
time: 7:05:59
